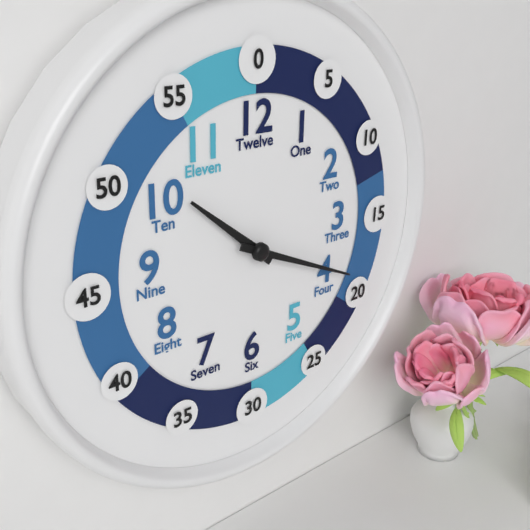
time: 10:19
